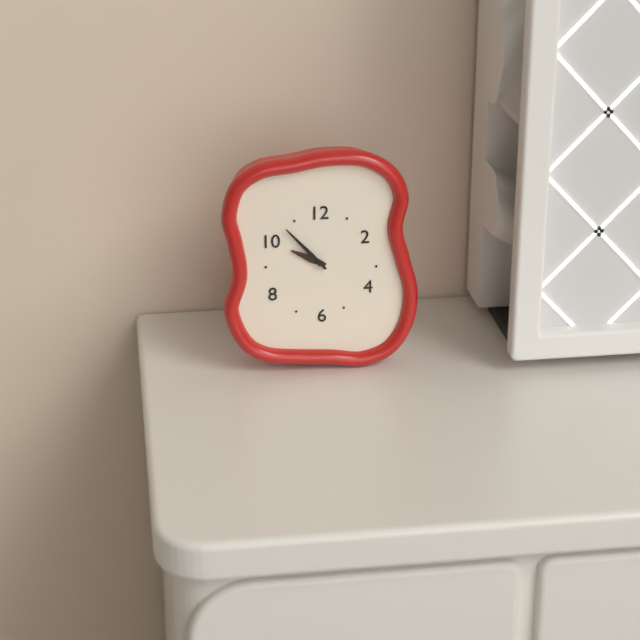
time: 9:53
